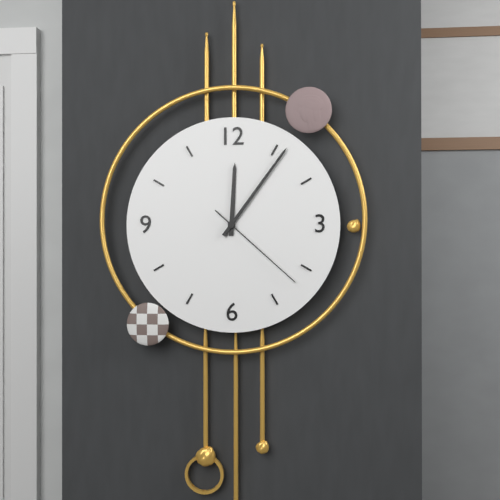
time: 12:06:22
